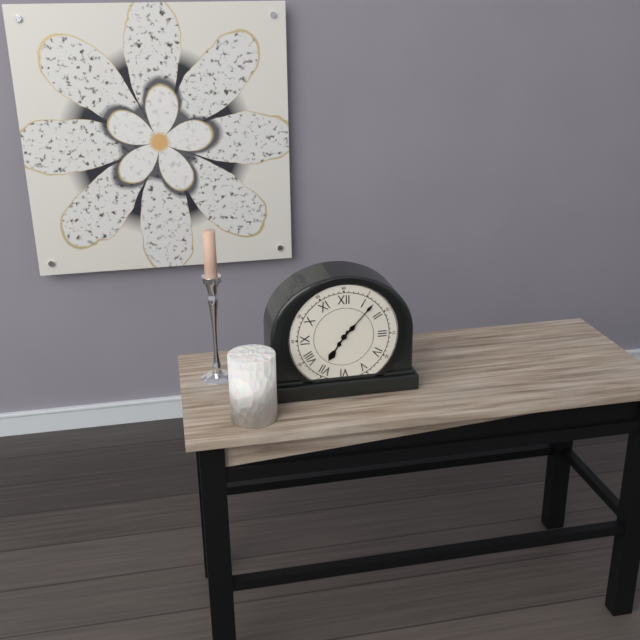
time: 7:07
